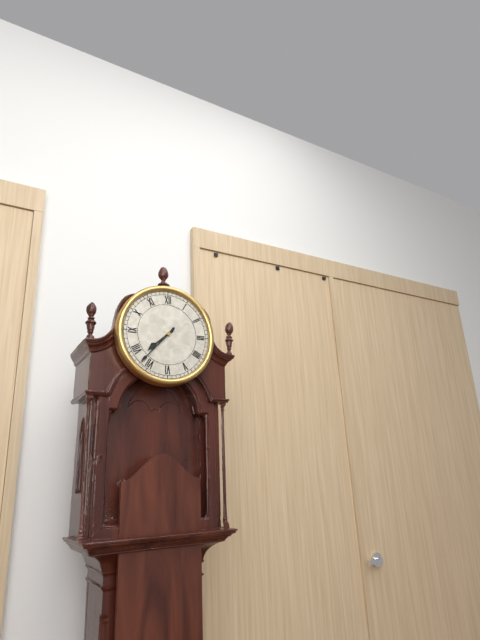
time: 7:37
